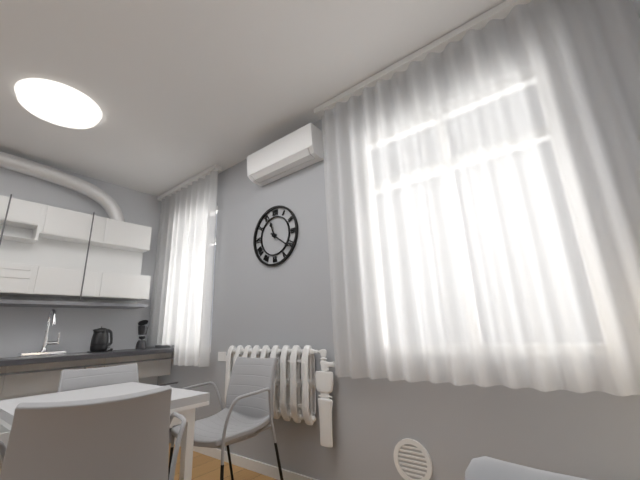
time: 11:21
